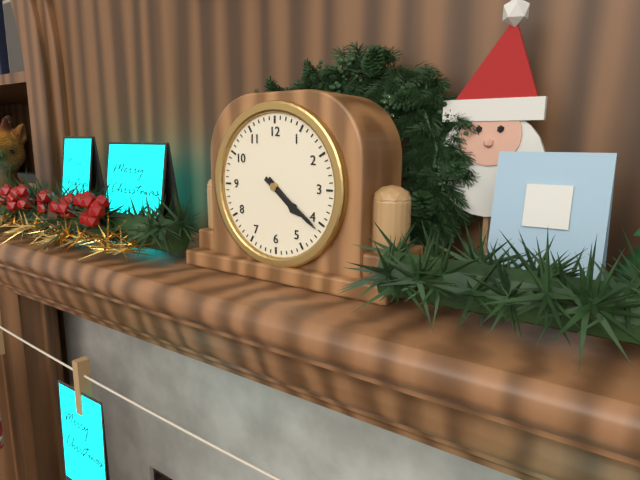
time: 4:21
